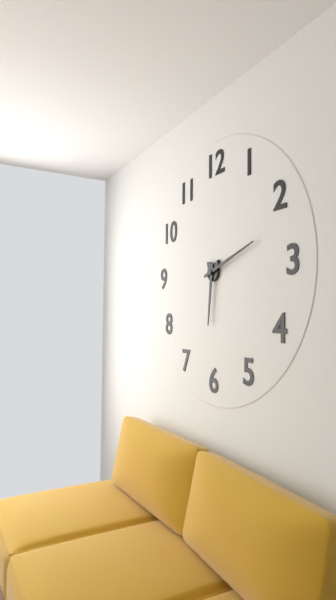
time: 6:12
